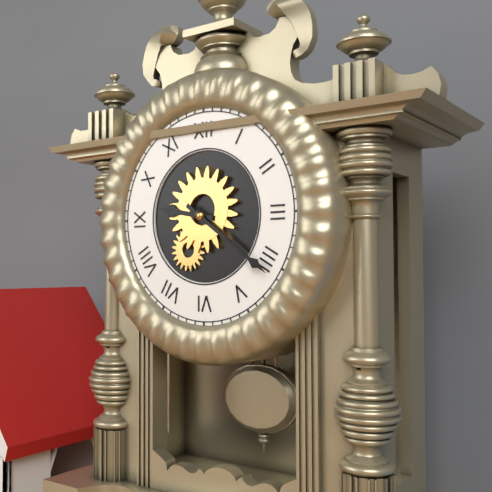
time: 9:21
